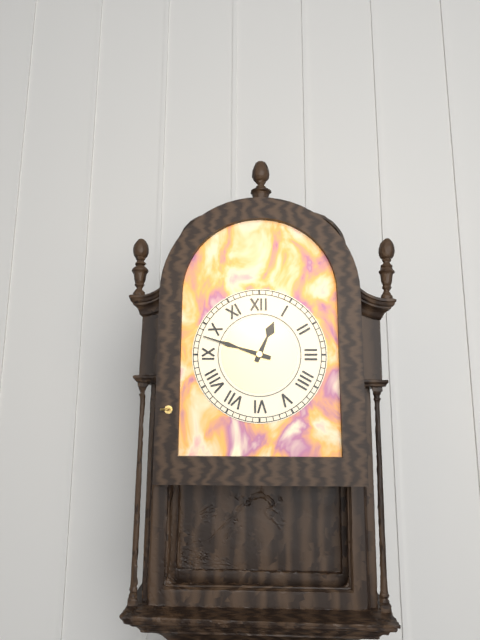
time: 12:48
